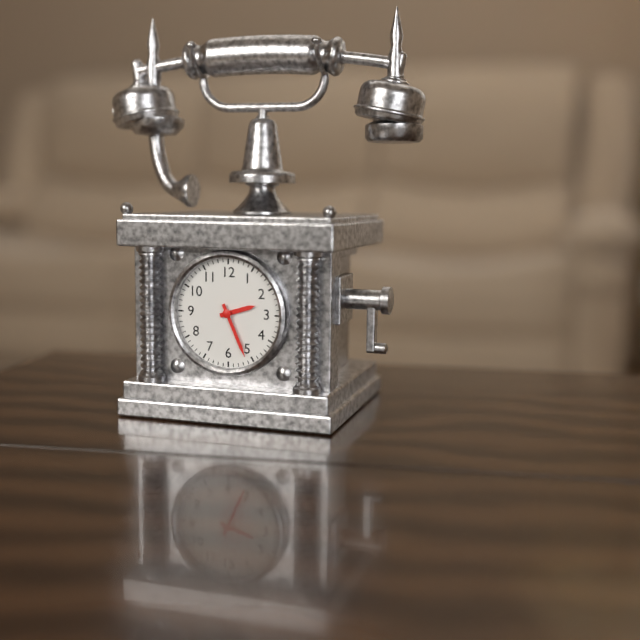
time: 2:26
